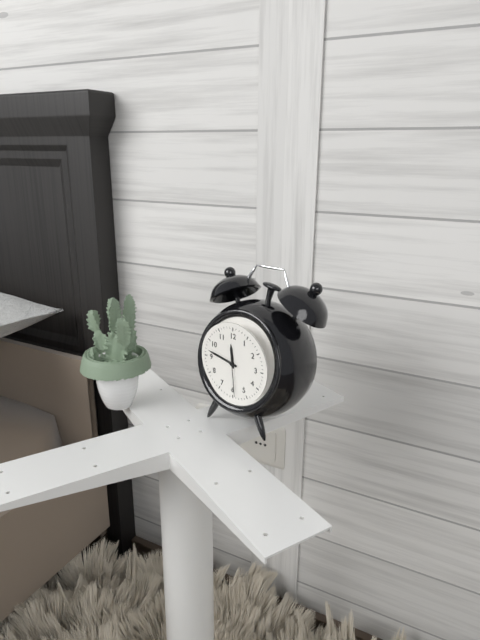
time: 11:47
